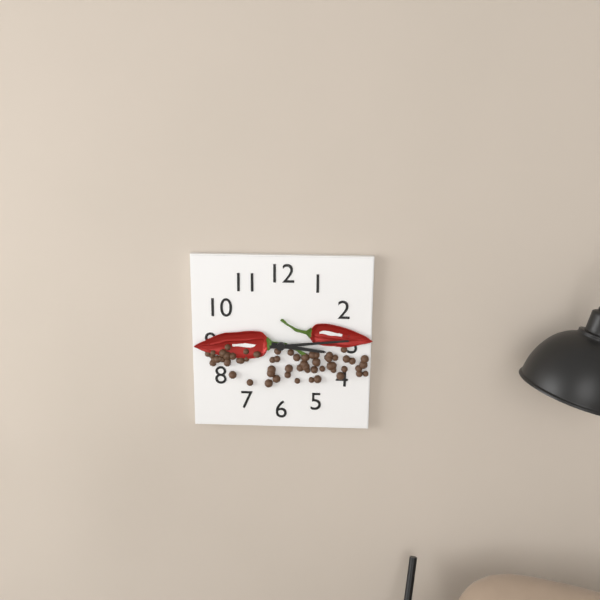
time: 3:14
